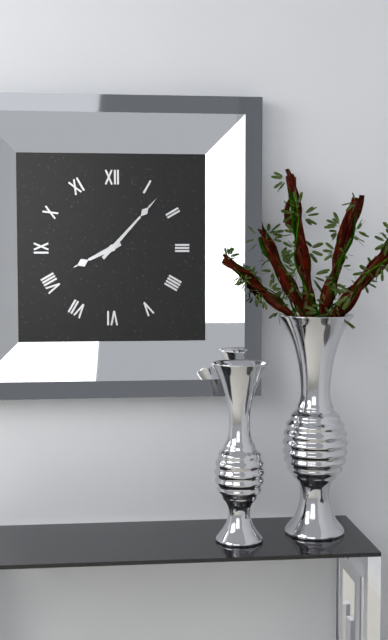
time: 8:07
